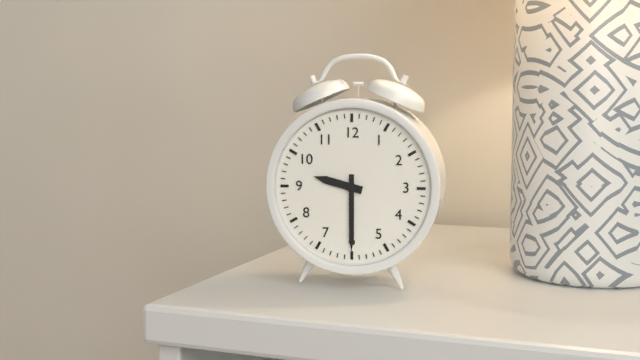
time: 9:30
